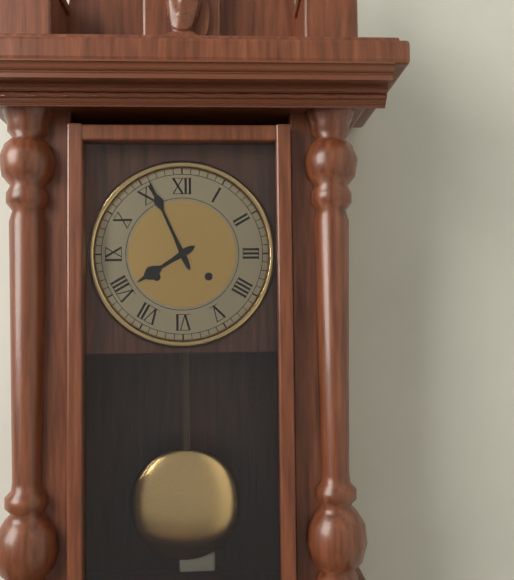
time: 7:56
